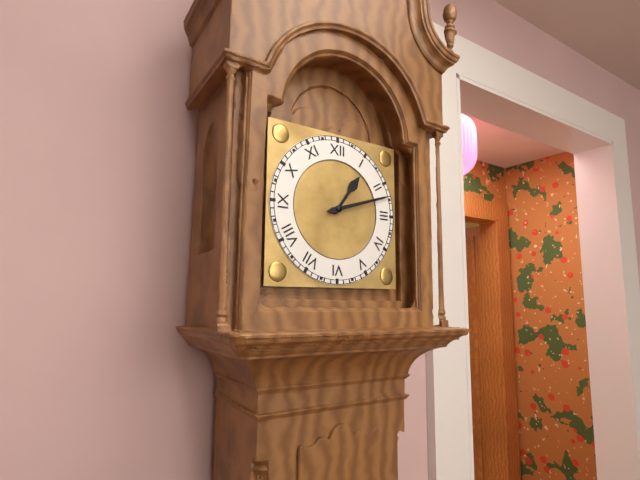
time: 1:12
